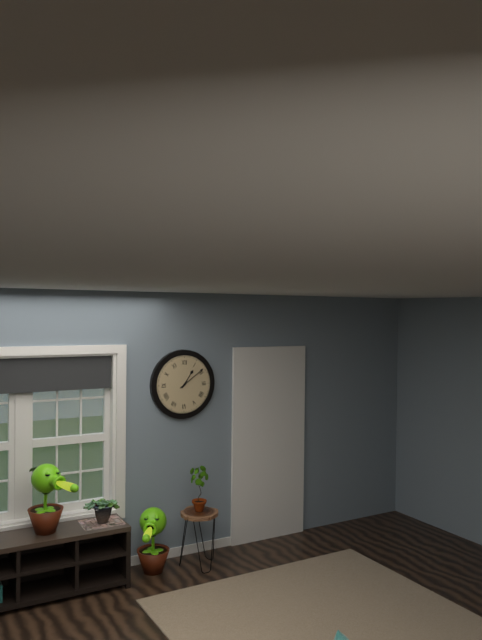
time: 1:09
